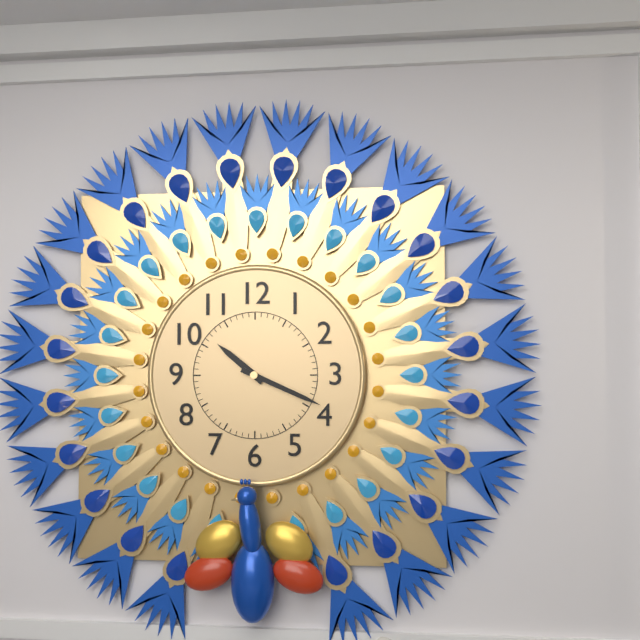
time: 10:19
